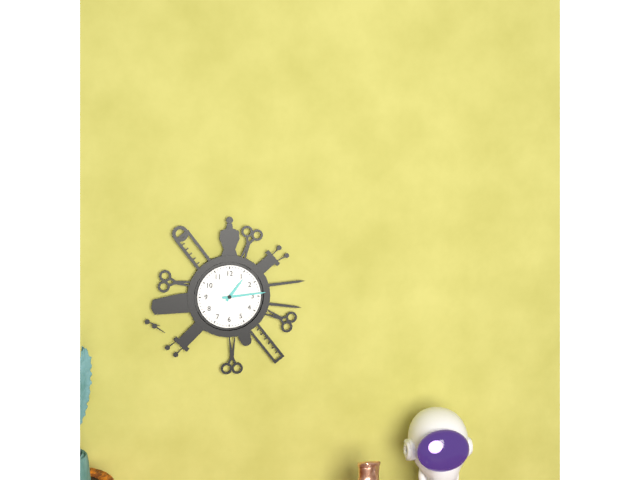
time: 1:14
